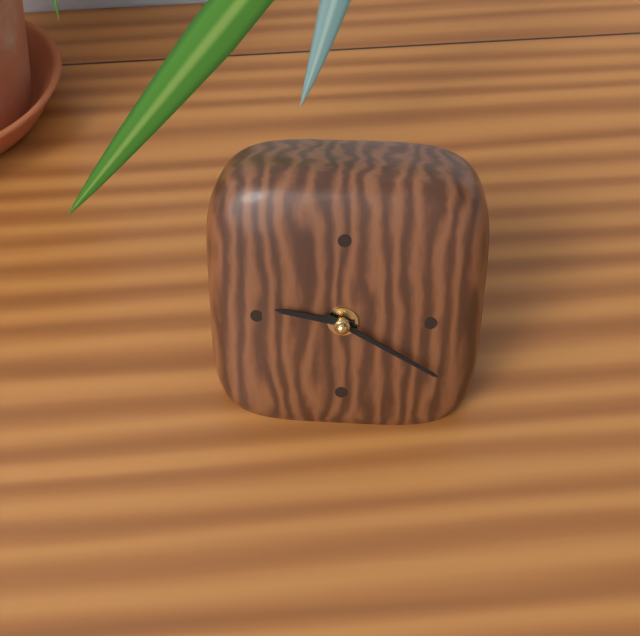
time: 9:20
